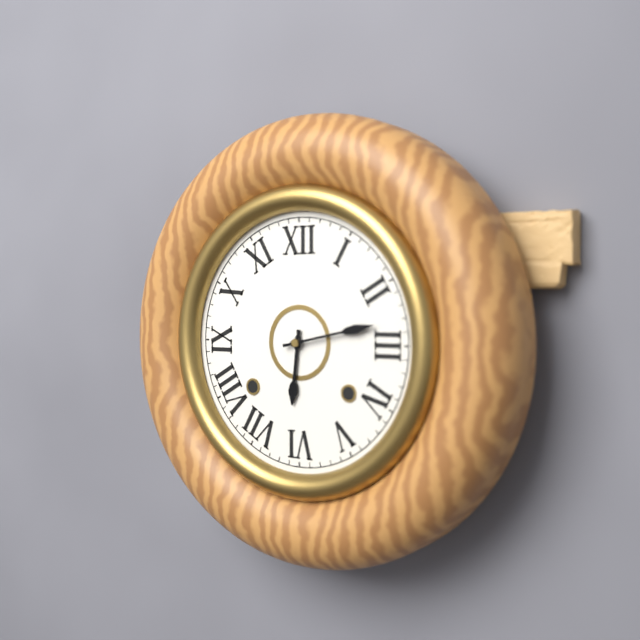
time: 6:13
